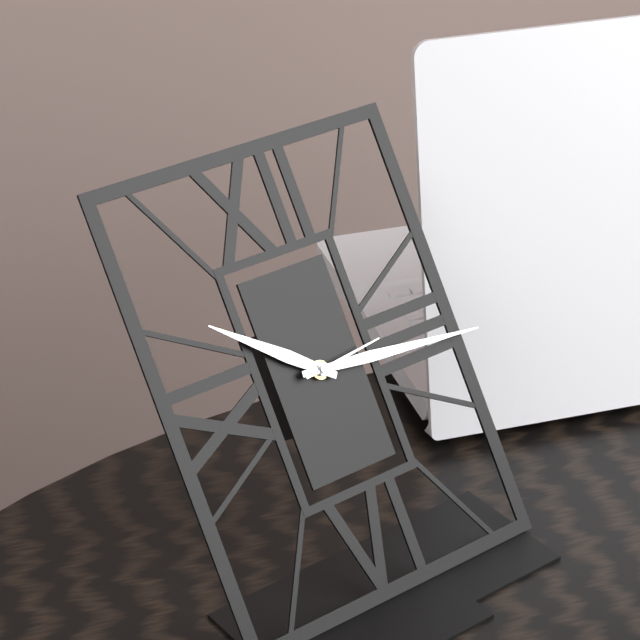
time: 10:16:14
